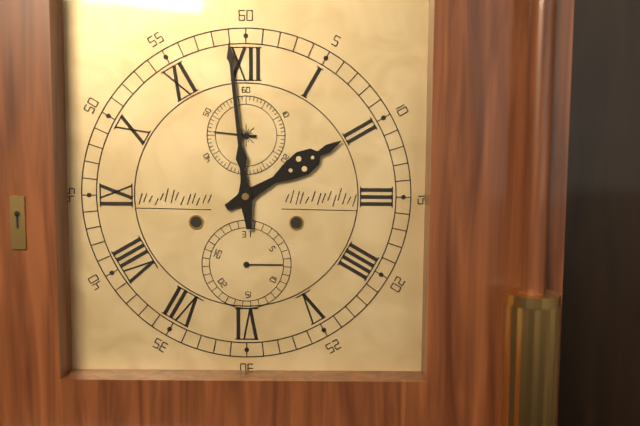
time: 1:59
